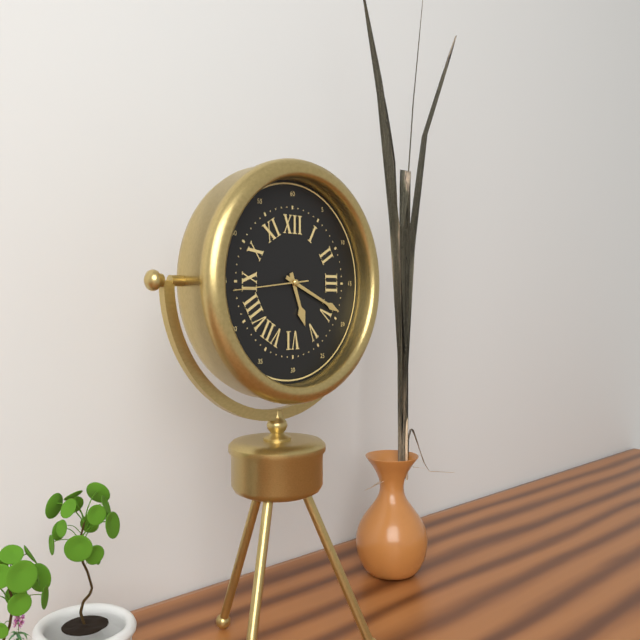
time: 5:19:44
